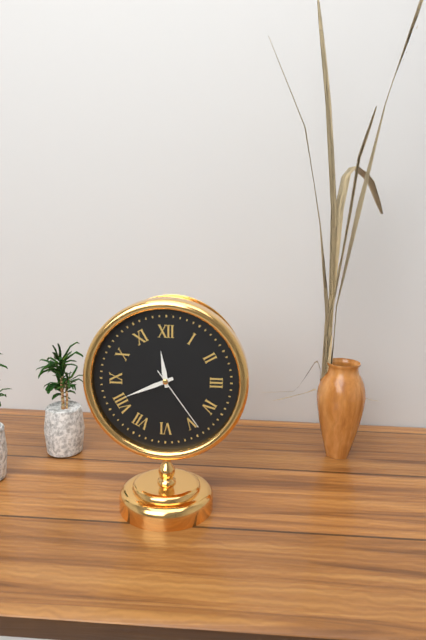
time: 11:41:24
